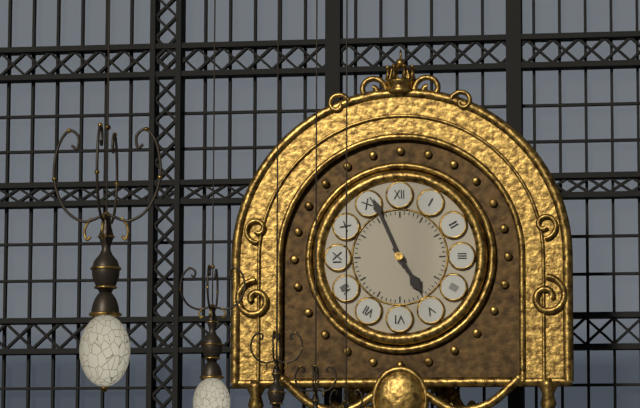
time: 4:56
